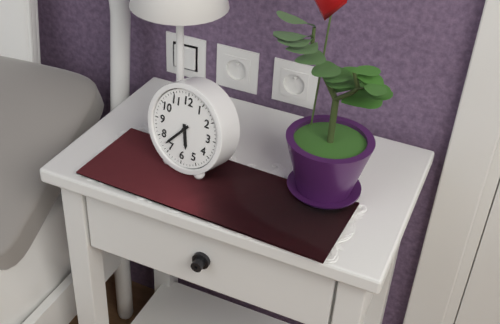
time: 5:37
